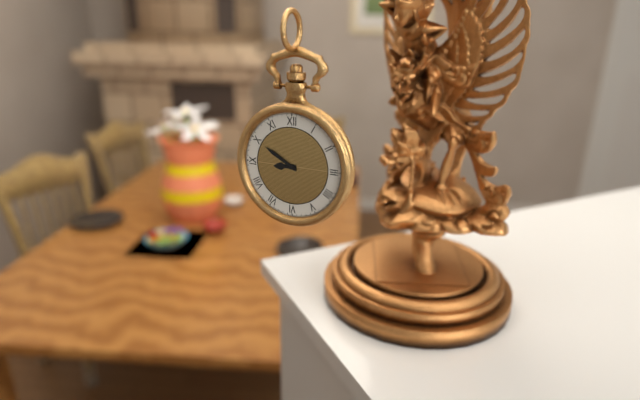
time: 8:50
